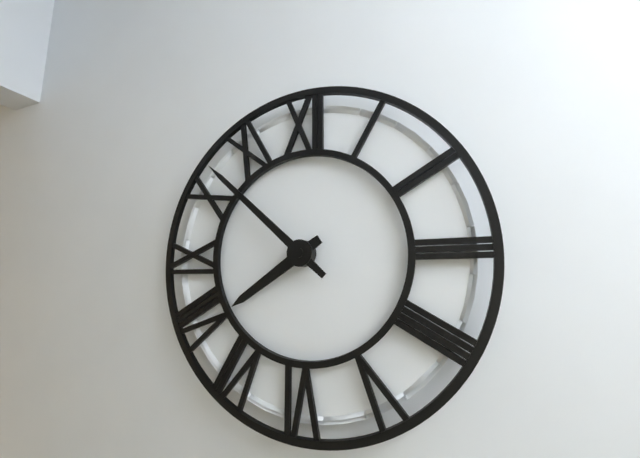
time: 7:52
